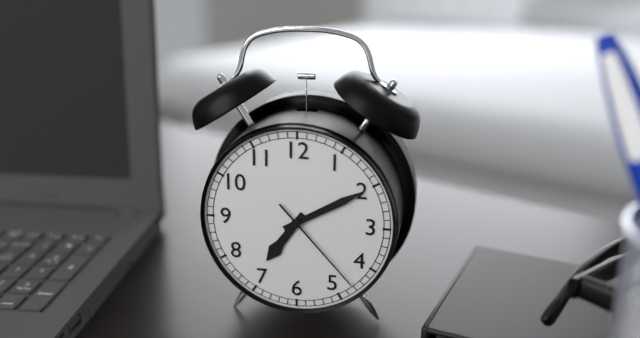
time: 7:10:23
